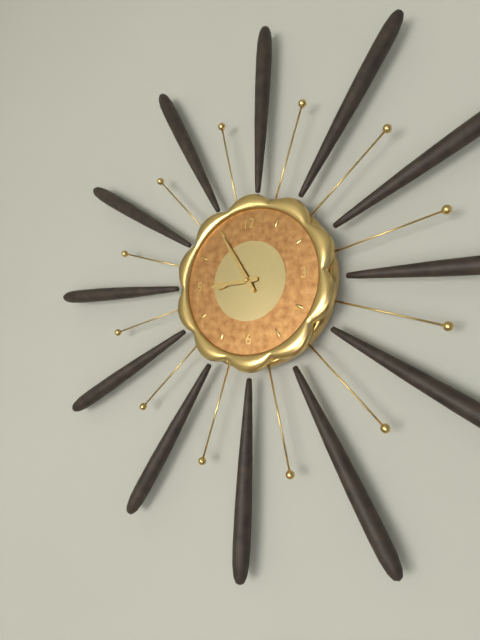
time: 8:55
